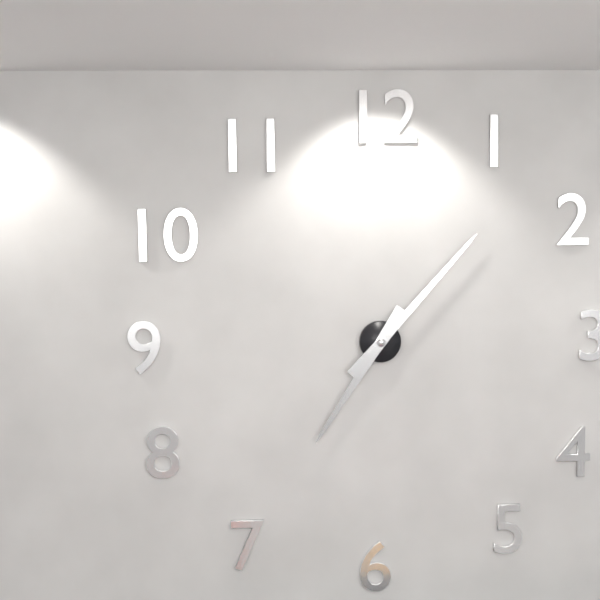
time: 7:07
